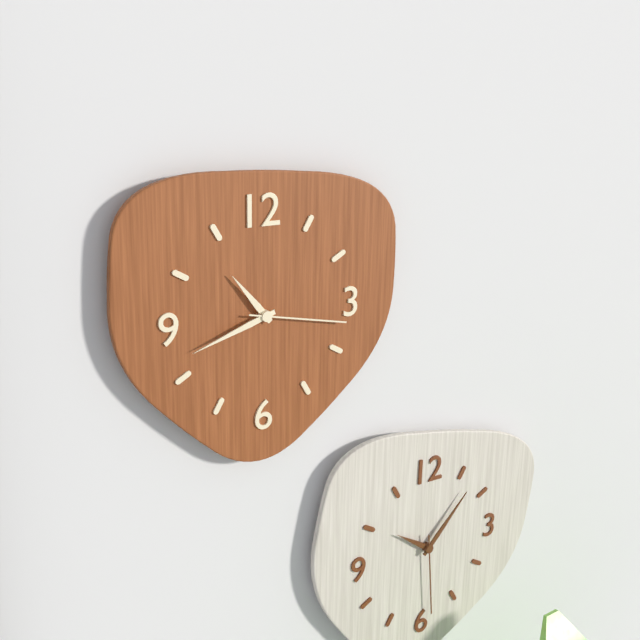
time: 10:42:17
